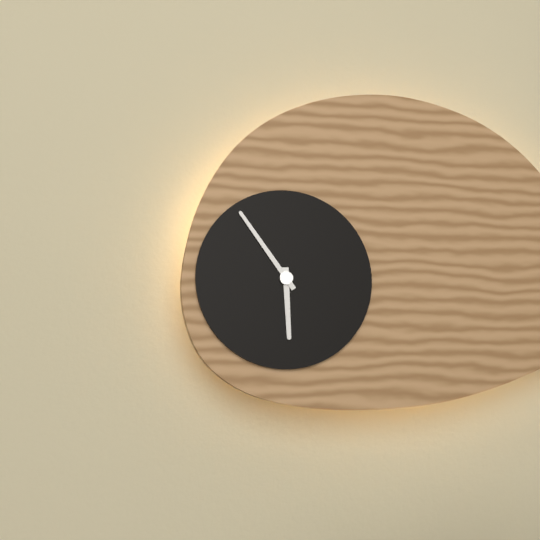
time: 5:54
